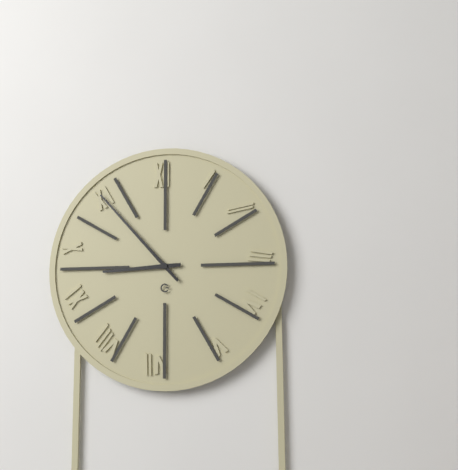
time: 8:53
